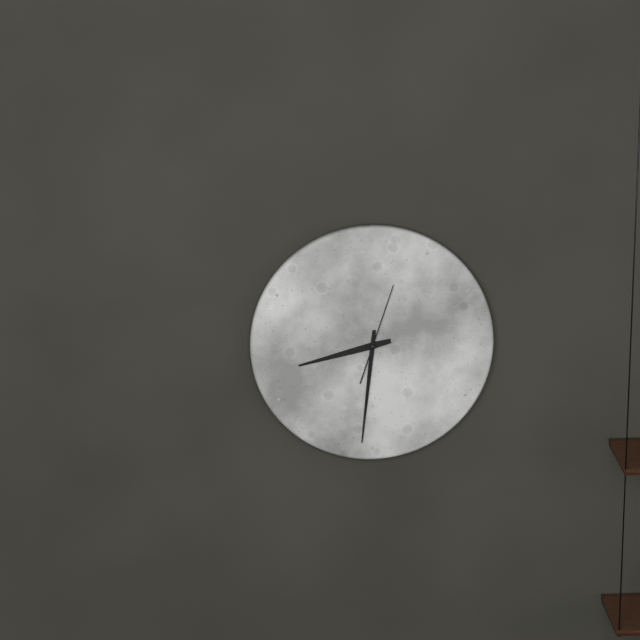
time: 8:31:03
